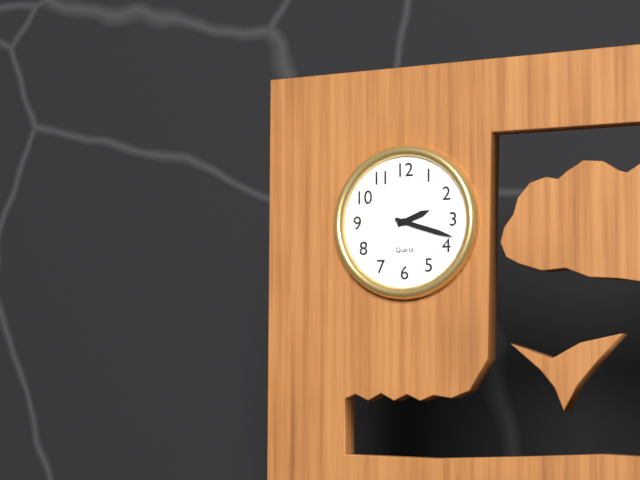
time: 2:18
